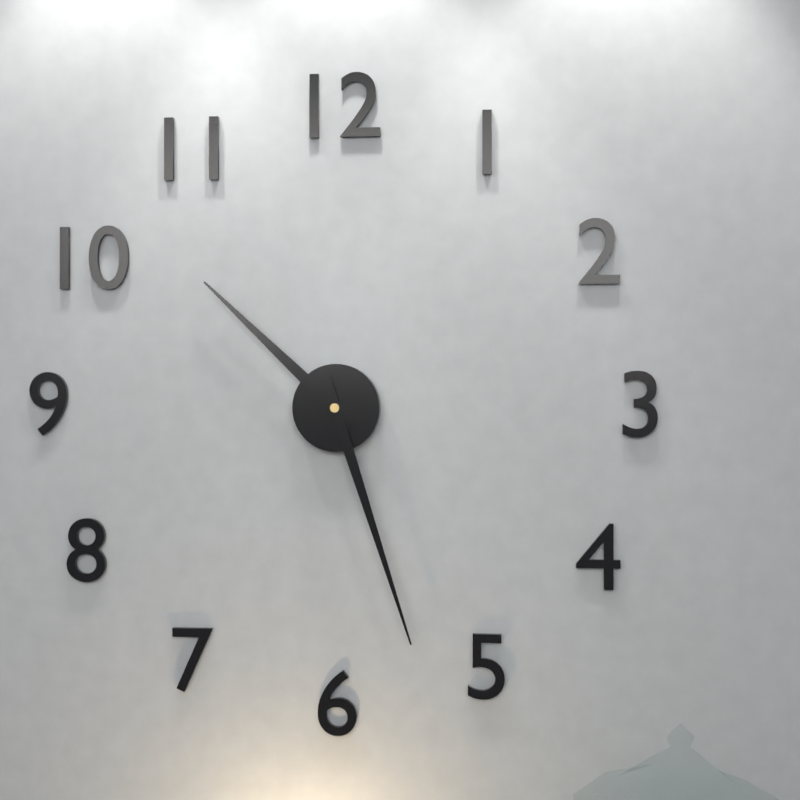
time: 10:27
